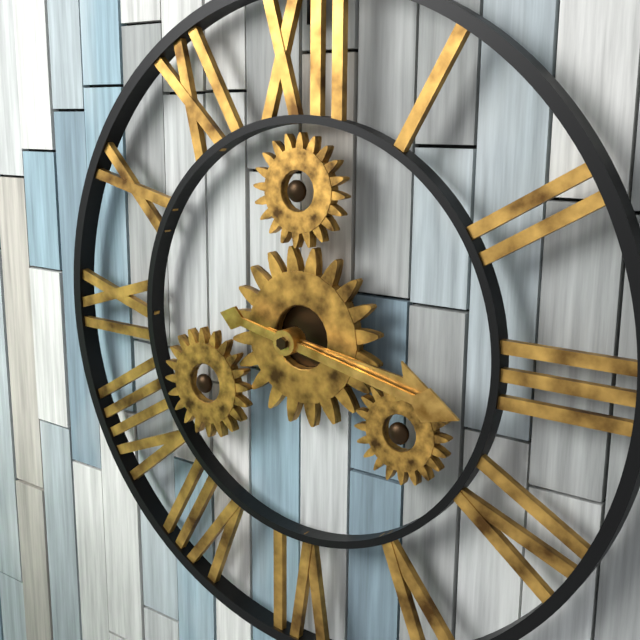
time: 3:17
